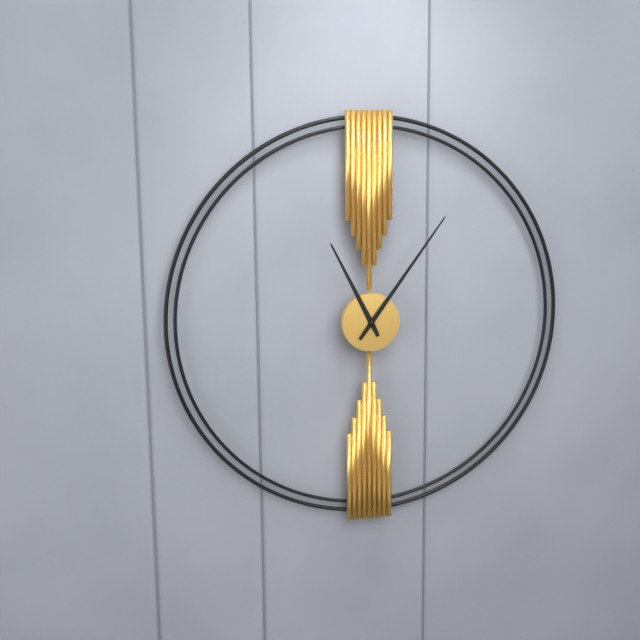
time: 11:06
